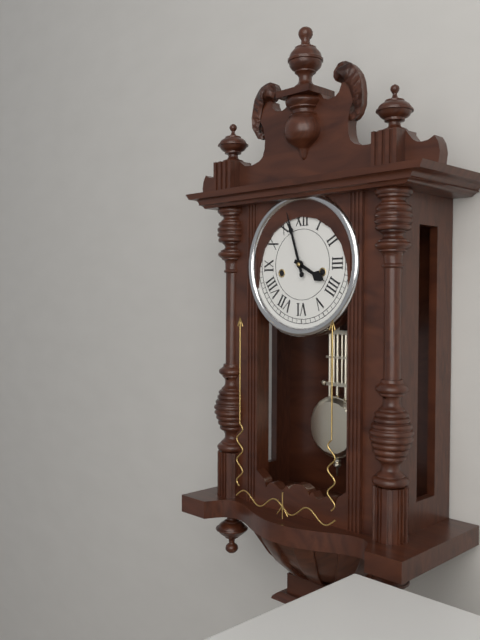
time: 3:57
